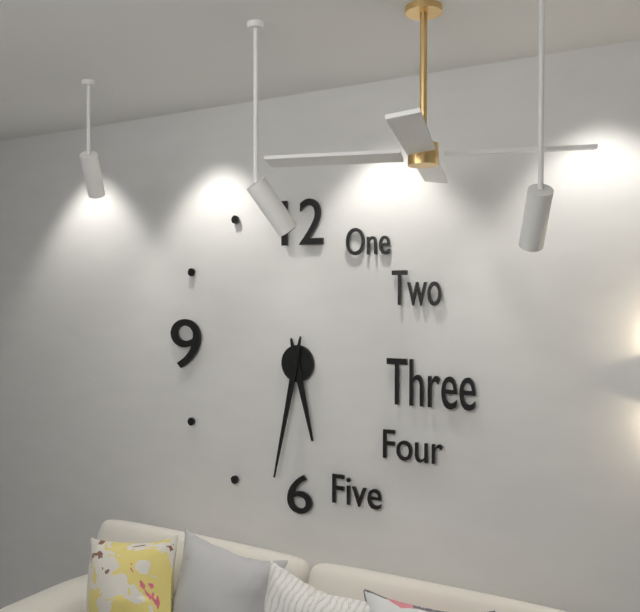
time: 5:32
